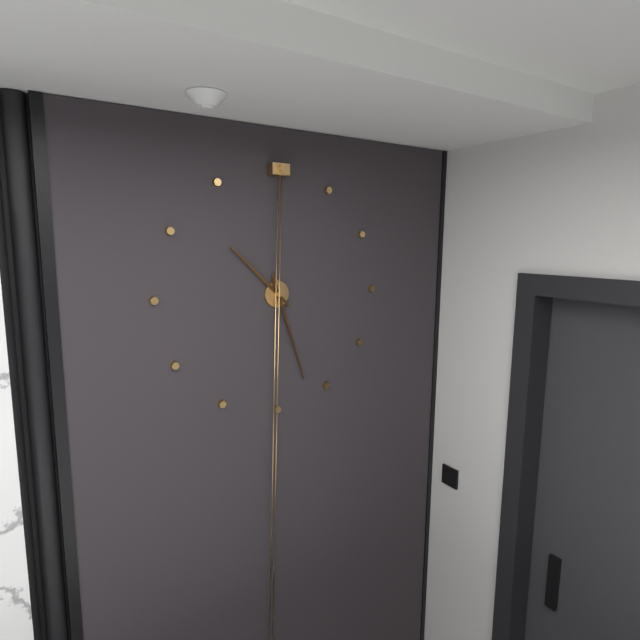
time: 10:27
